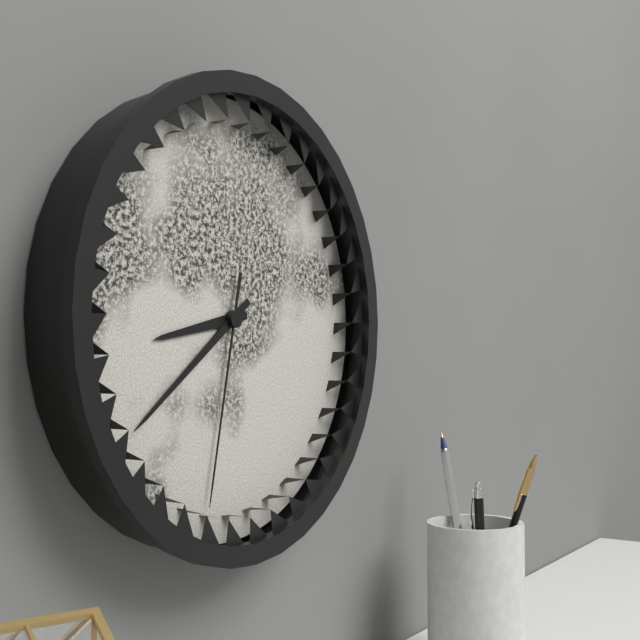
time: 8:39:32
